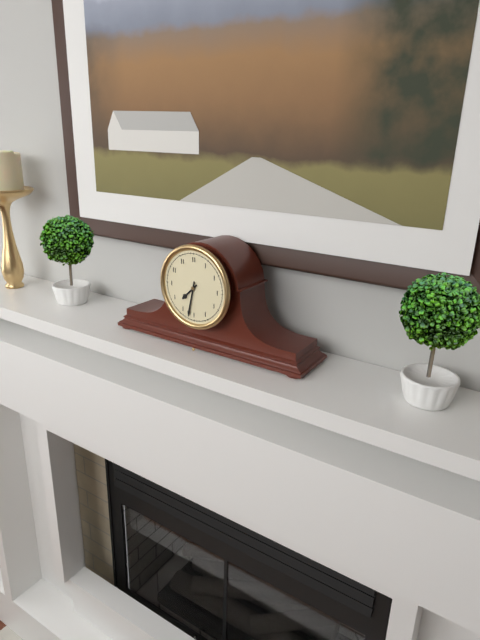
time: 7:32
